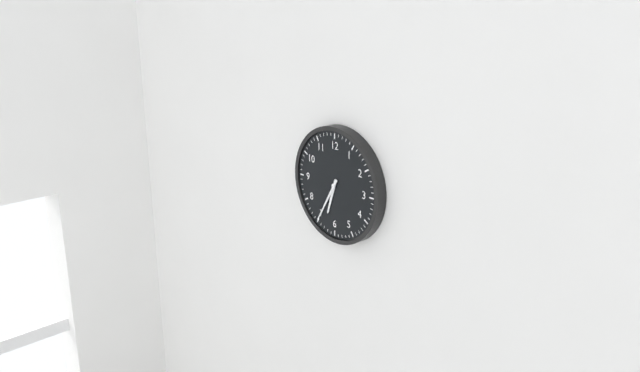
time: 6:35
